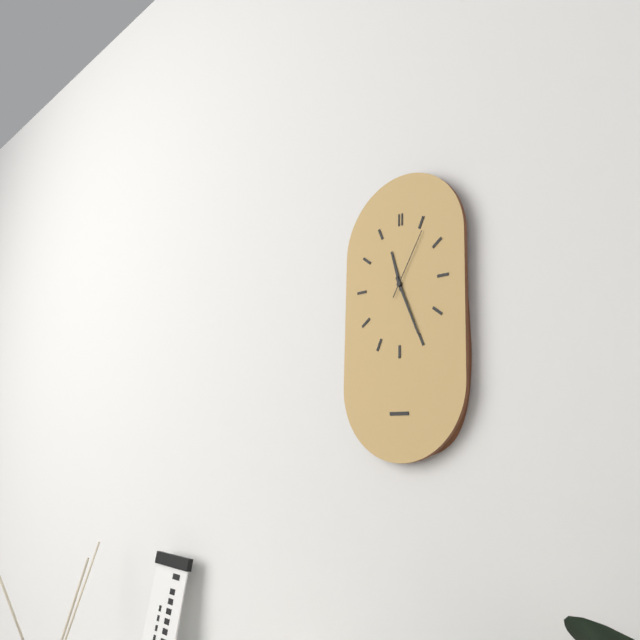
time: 11:26:05
